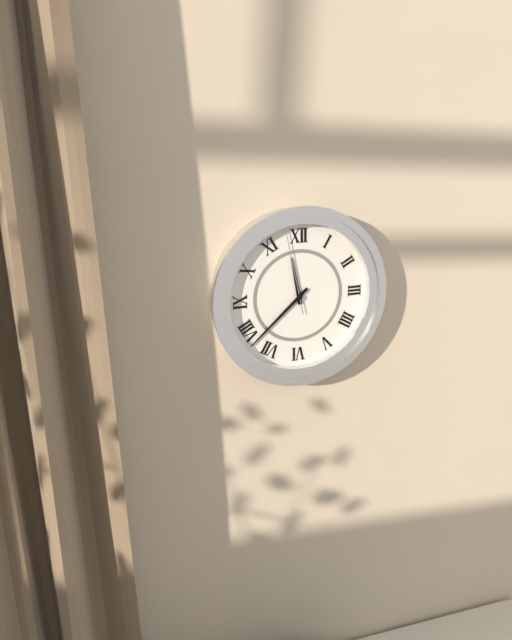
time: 11:38:58
